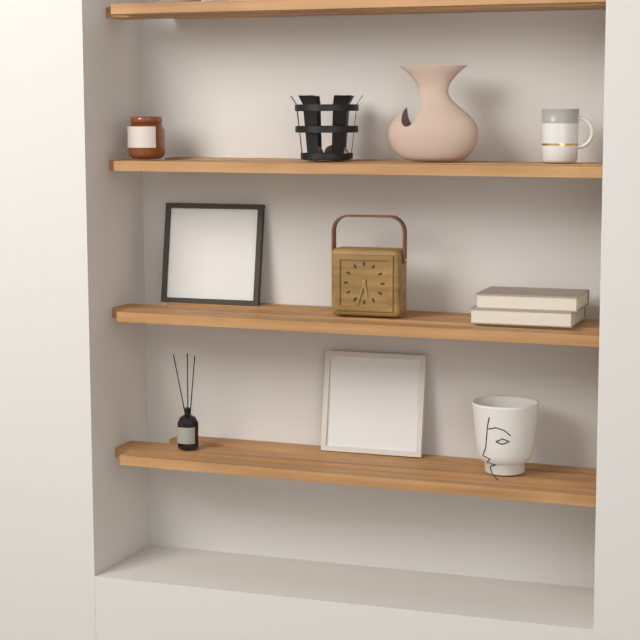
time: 5:33
